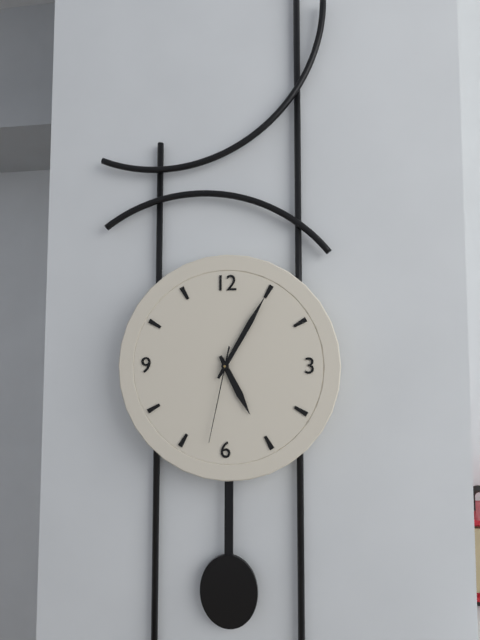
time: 5:05:32
